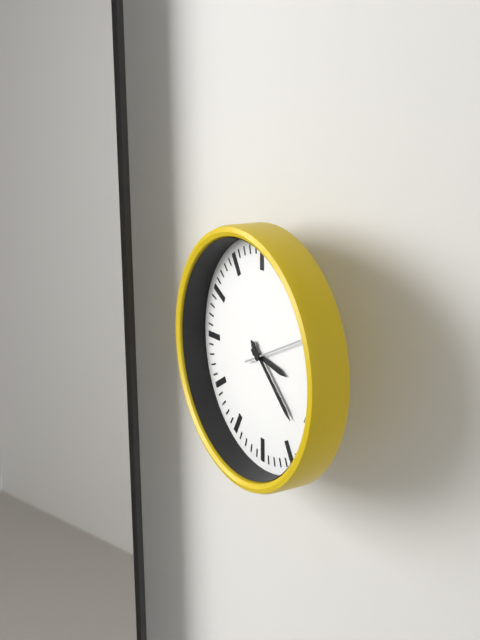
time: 3:22:11
